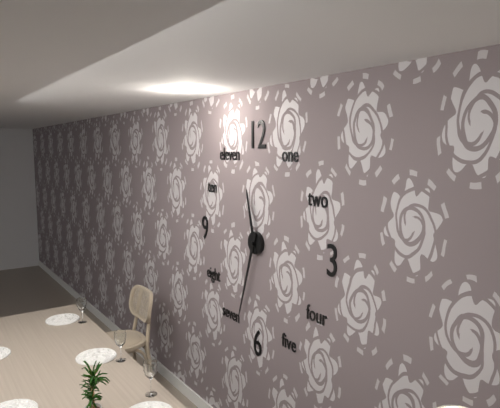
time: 11:33
